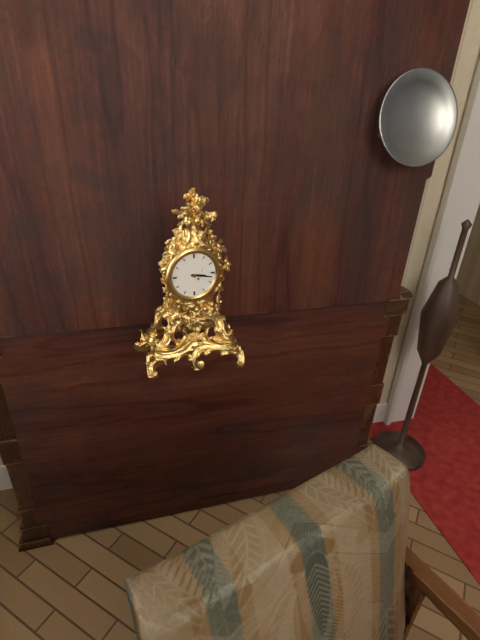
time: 3:17
